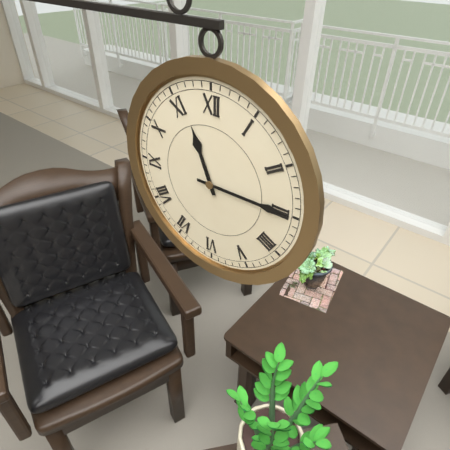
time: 11:15
